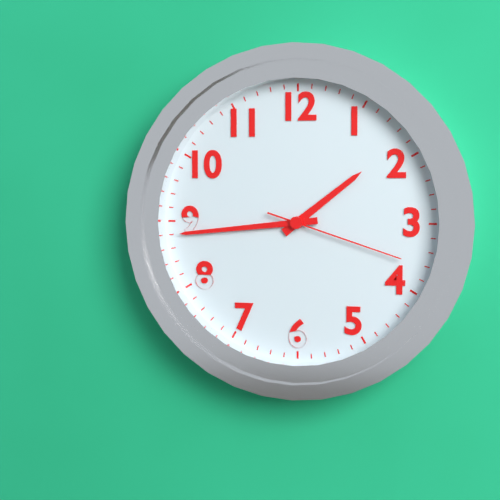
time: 1:44:18
